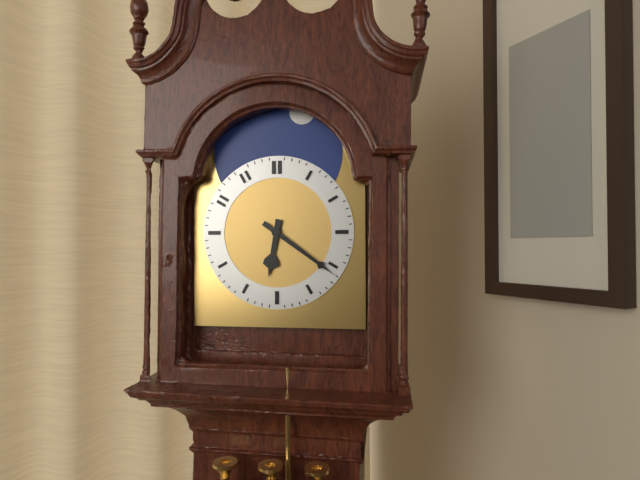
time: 6:21
